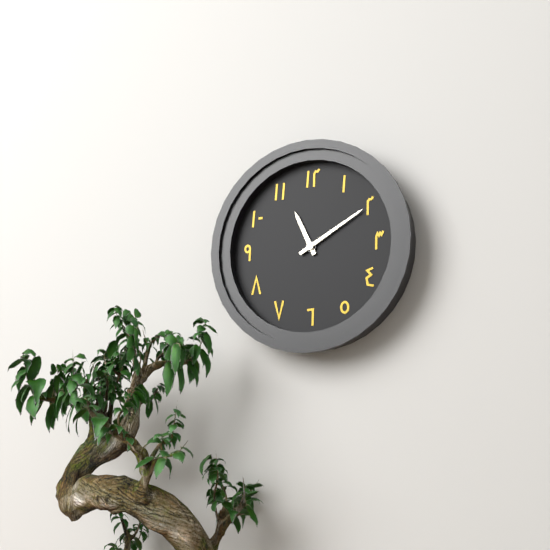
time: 11:10
